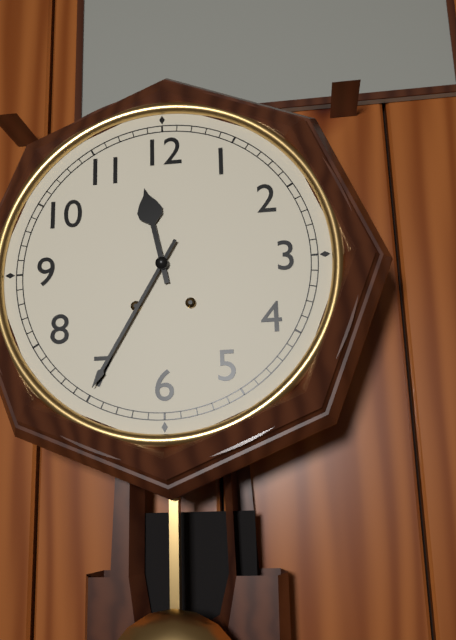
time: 11:35
